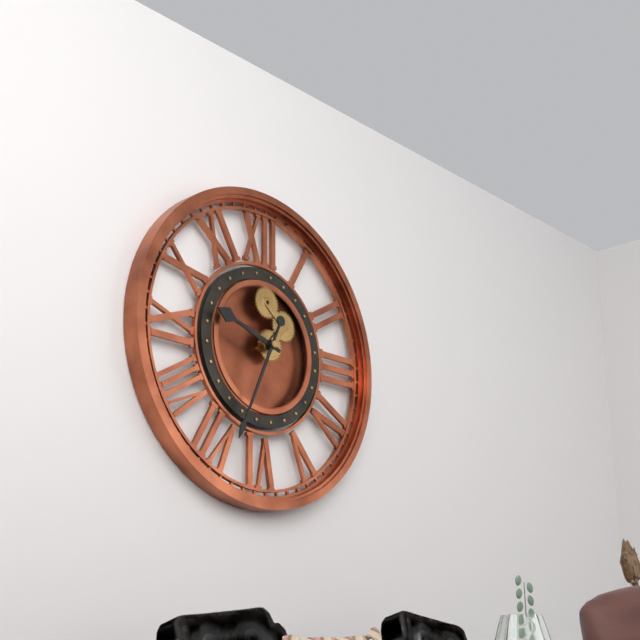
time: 9:34
